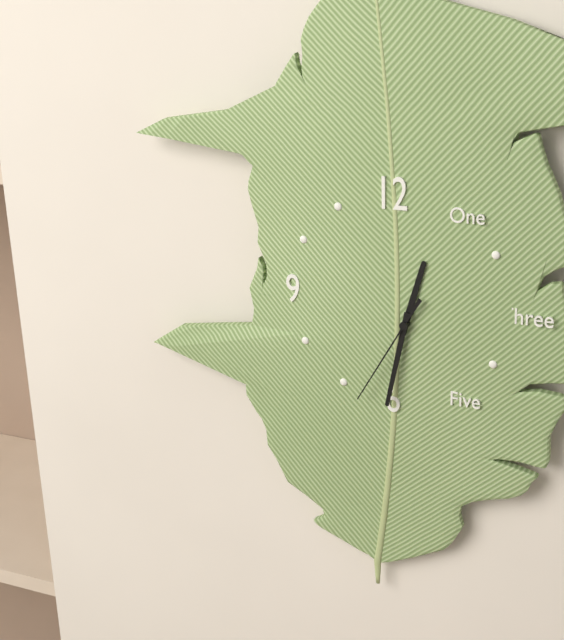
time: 12:32:35
